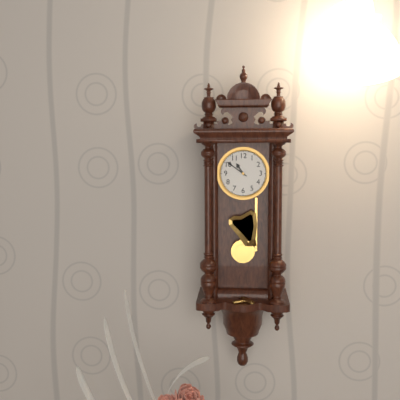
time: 10:51
